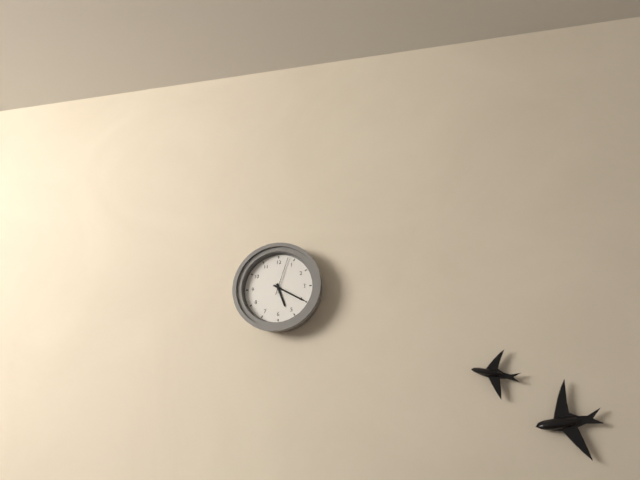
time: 5:20
